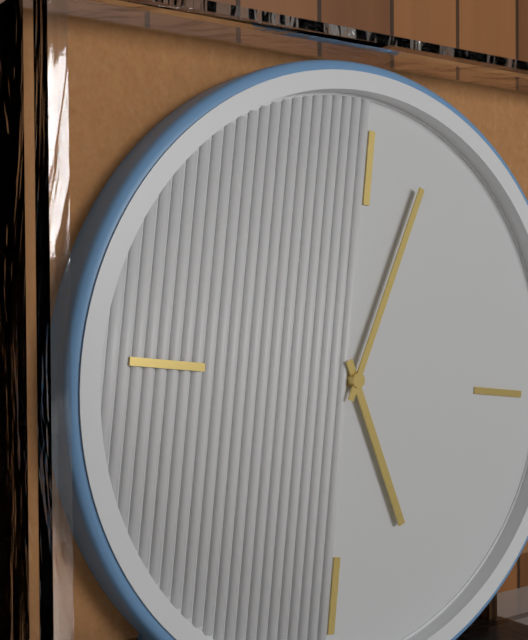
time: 5:03
